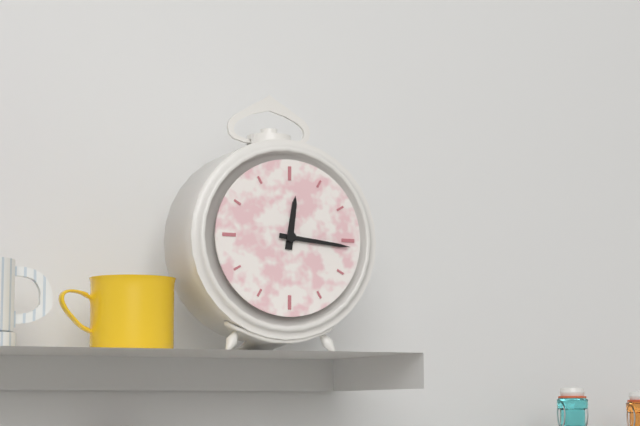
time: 12:16
